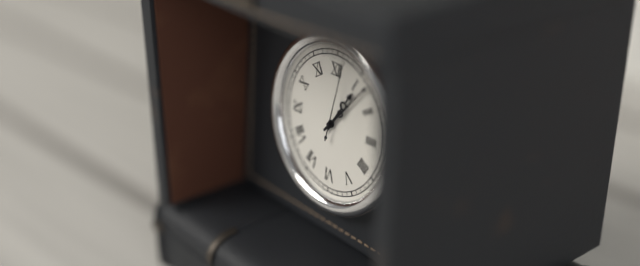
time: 1:07:02
